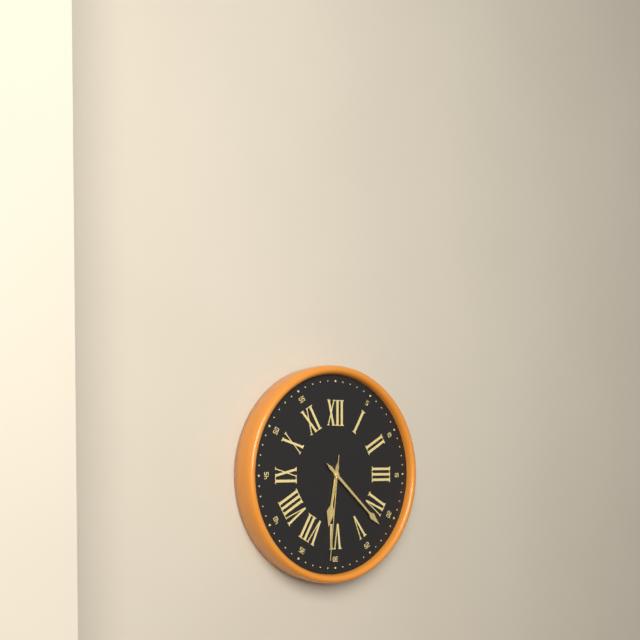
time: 6:22:31
